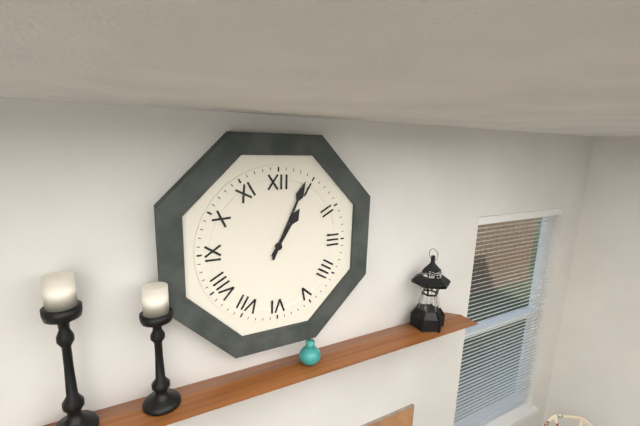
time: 1:04
